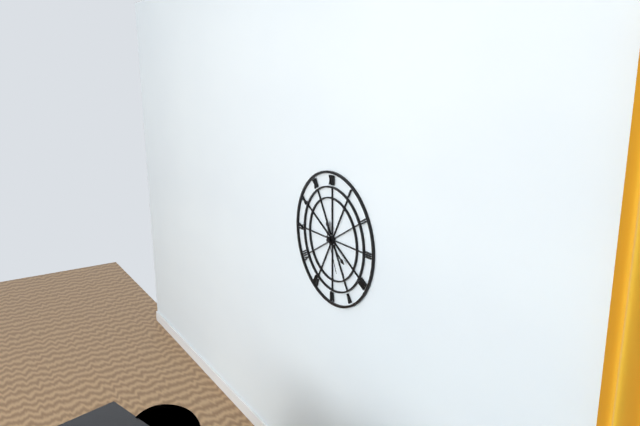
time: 11:21
